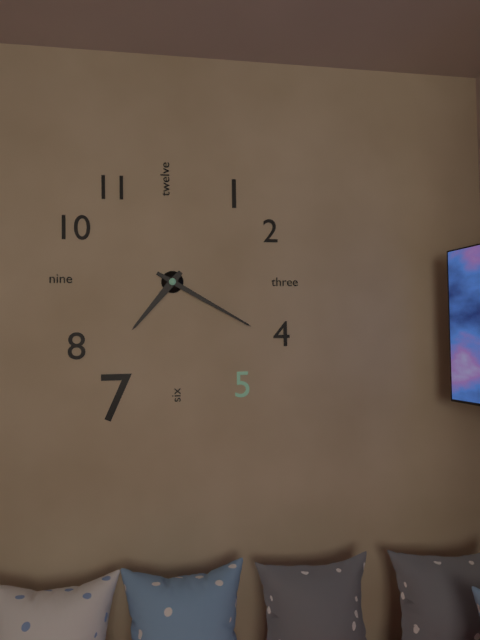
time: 7:20
